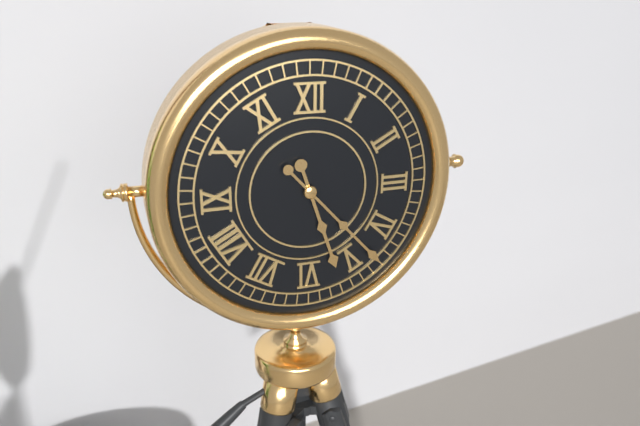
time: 5:23
